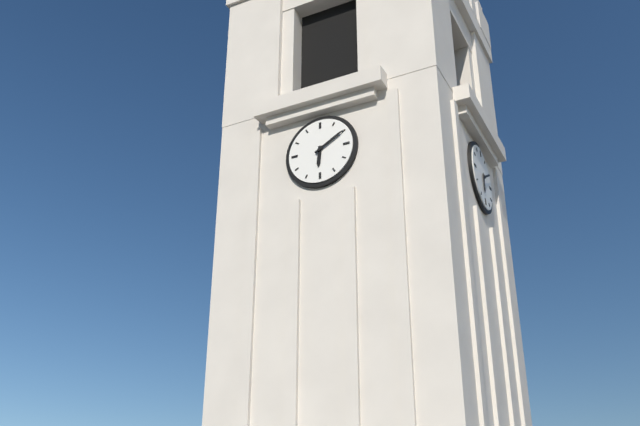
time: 6:10
